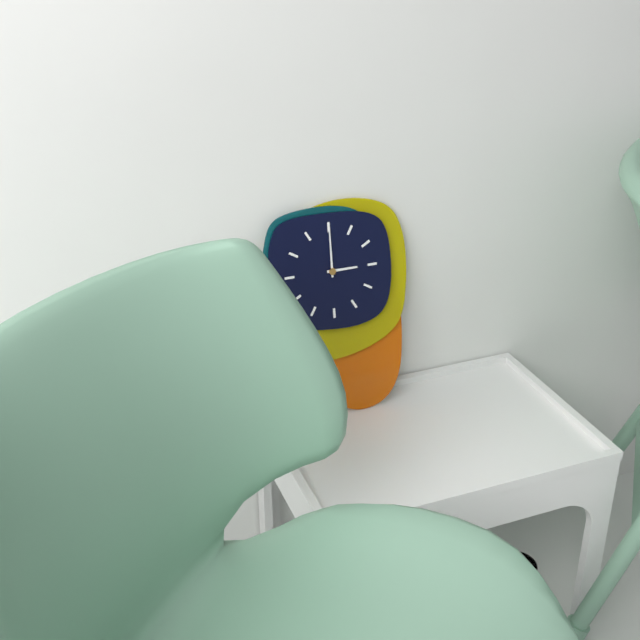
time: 3:00
